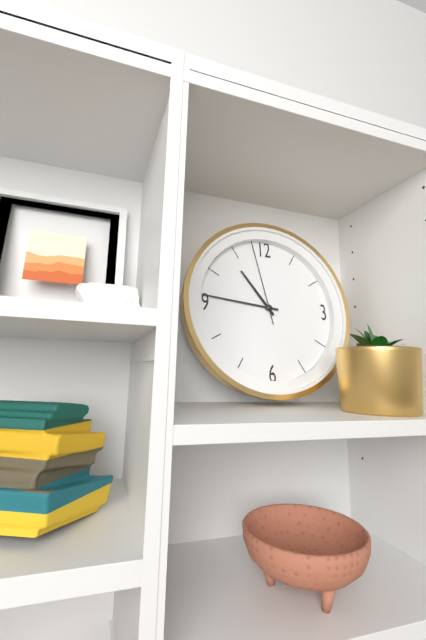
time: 10:46:58
